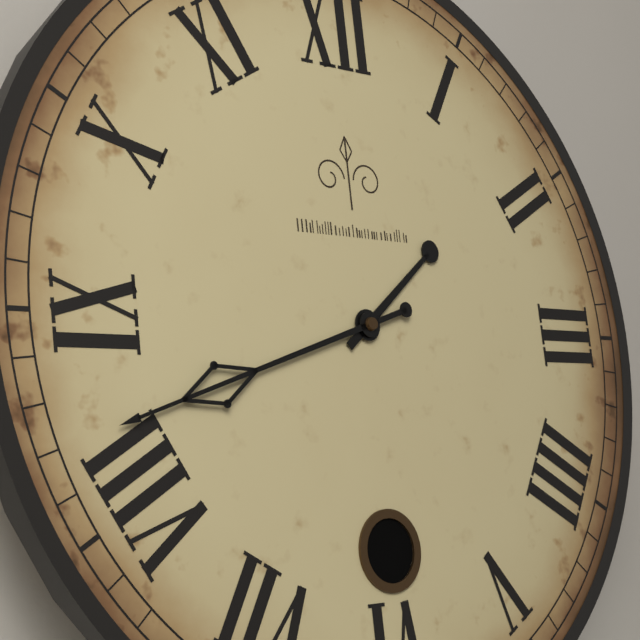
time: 1:42
